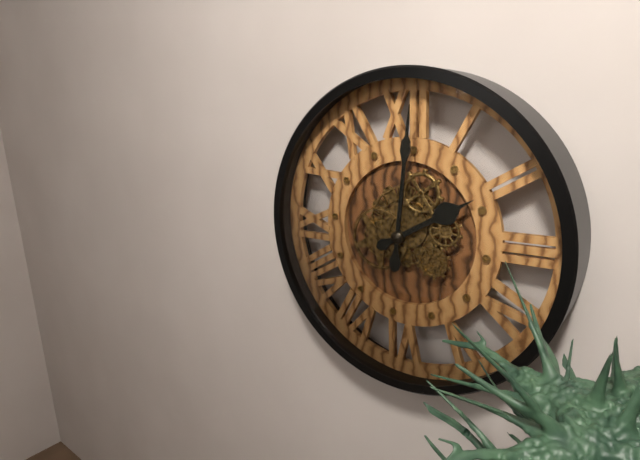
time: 2:01
